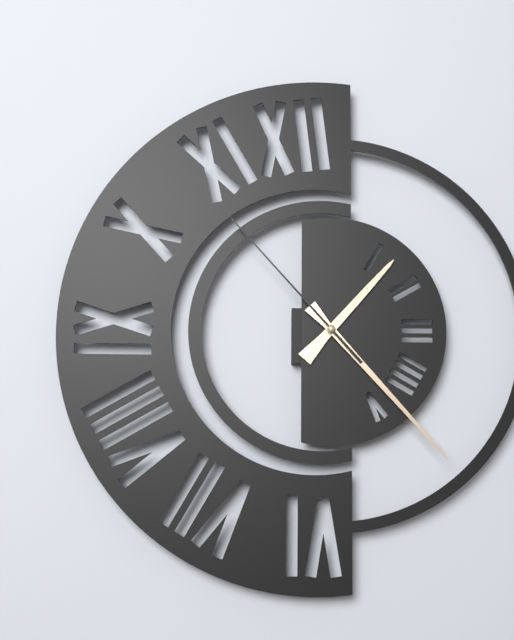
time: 1:23:53
